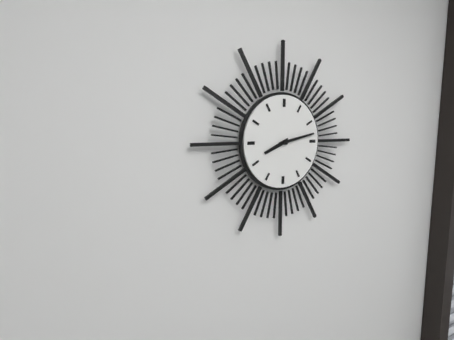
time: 8:13
